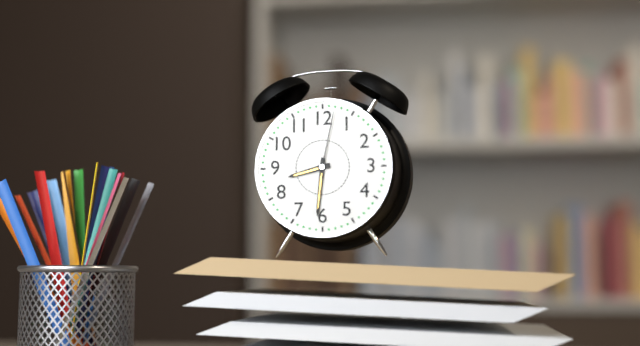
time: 8:31:02
